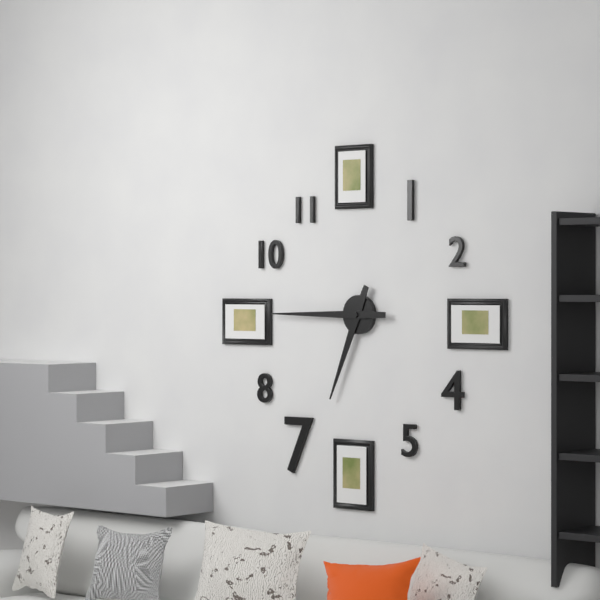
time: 6:45
